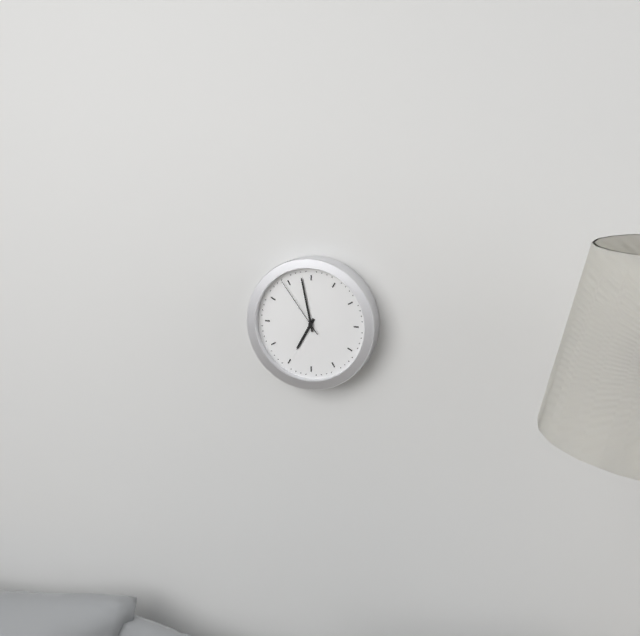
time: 6:58:54
